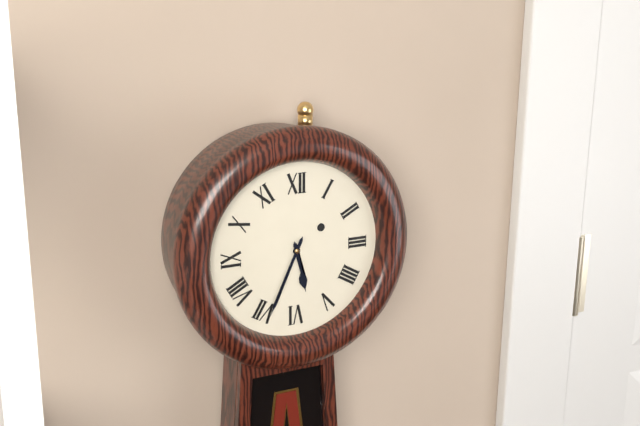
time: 5:34
